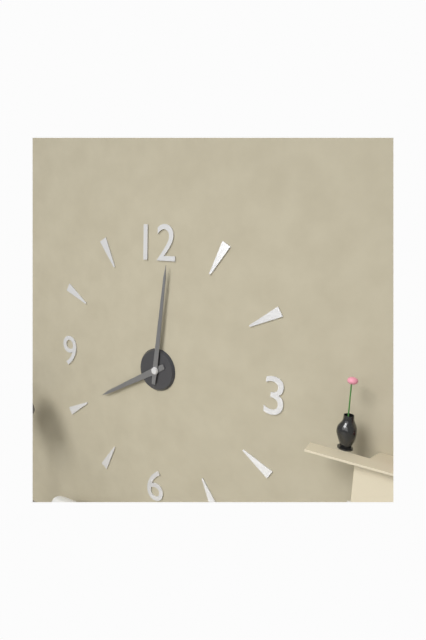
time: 8:01
